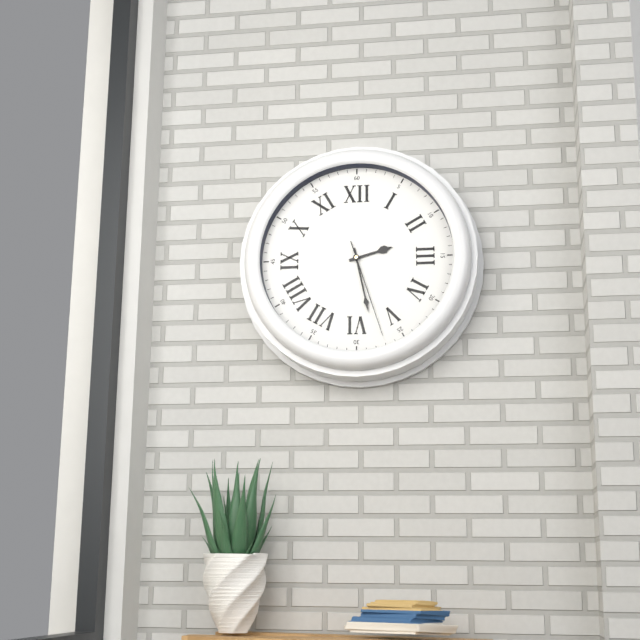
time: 2:28:27
